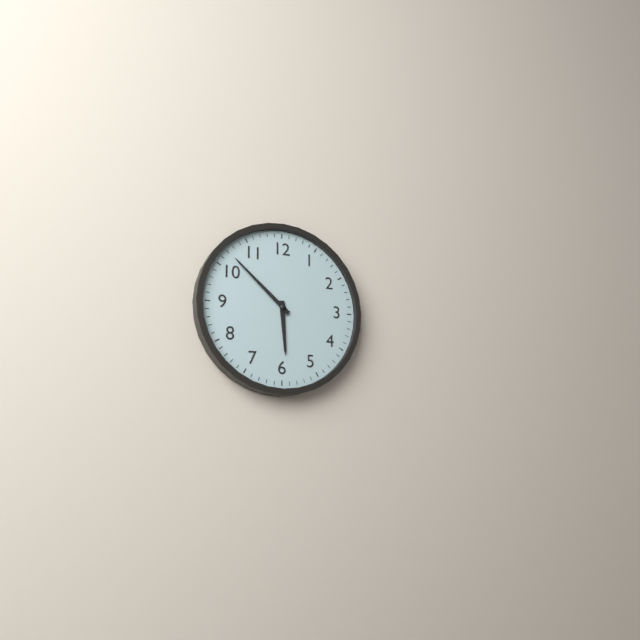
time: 5:52
